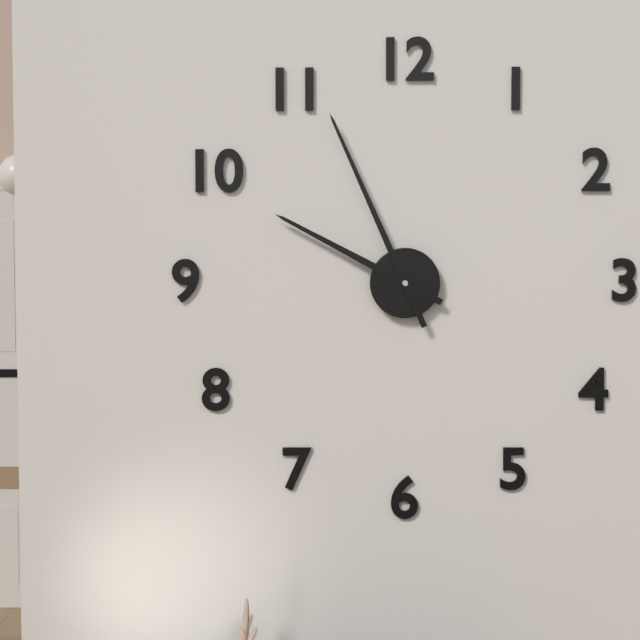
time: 9:56
